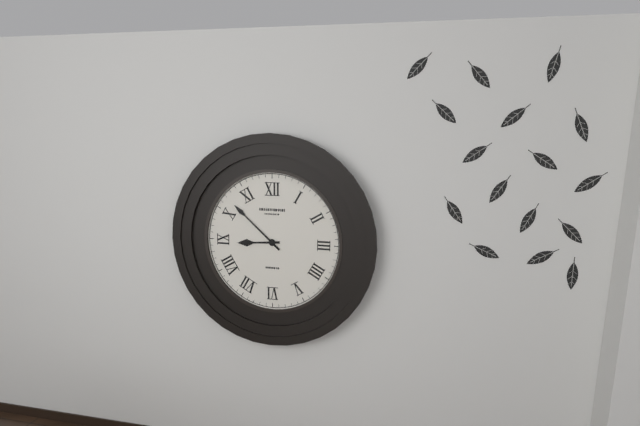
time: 8:52
